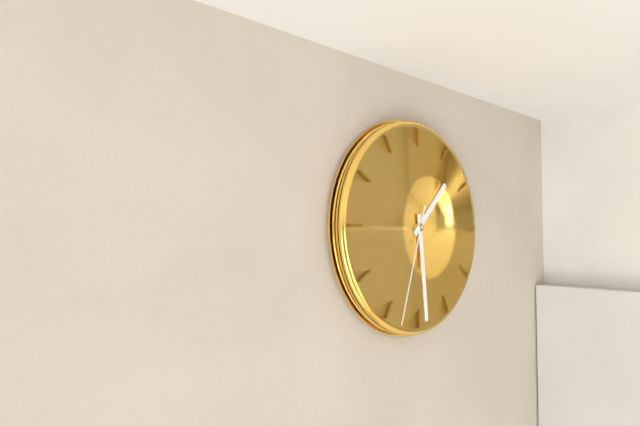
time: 1:29:33
